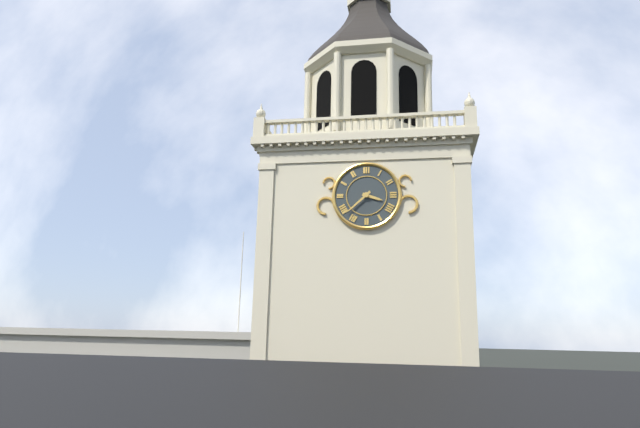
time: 3:38
